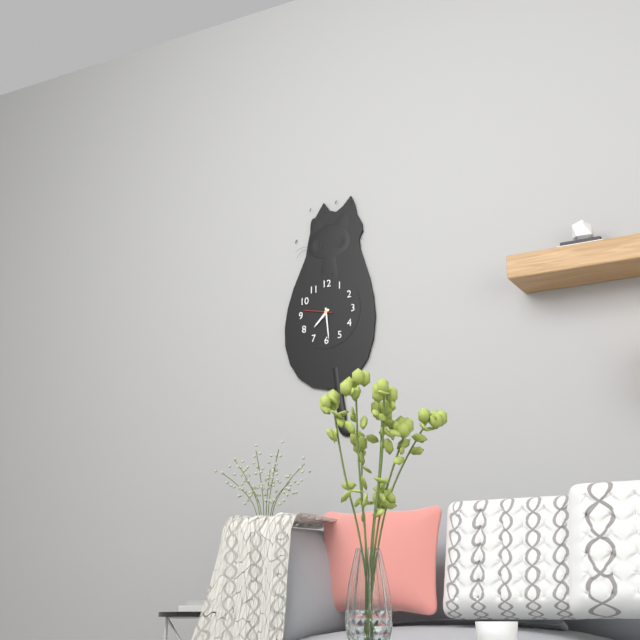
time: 7:29
